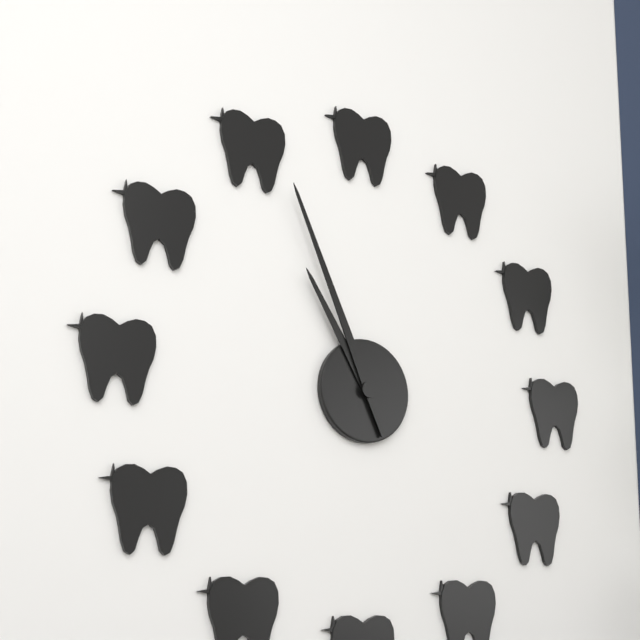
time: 10:56
